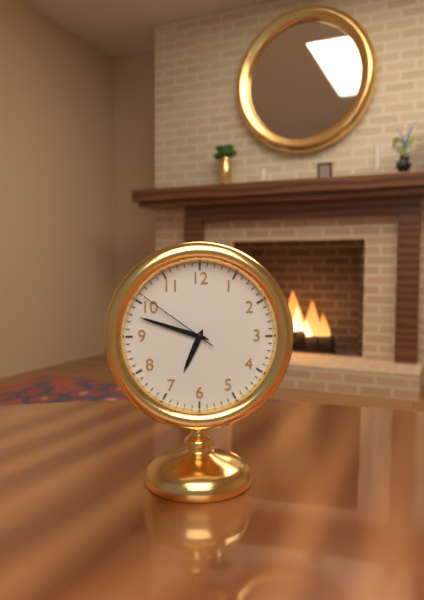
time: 6:48:51
